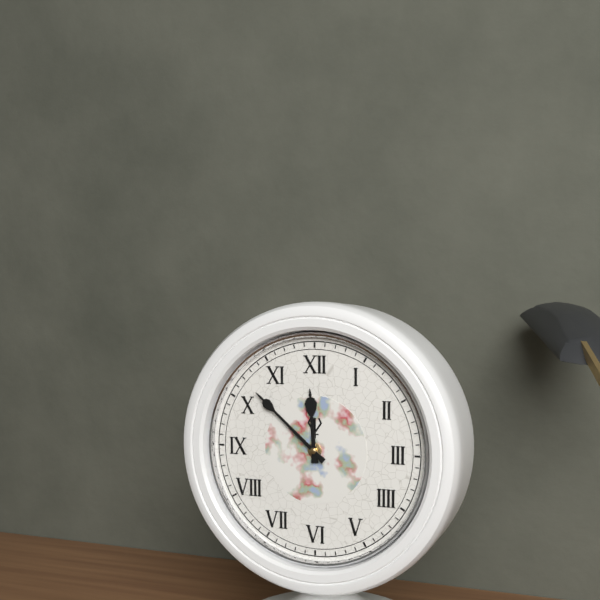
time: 11:52
